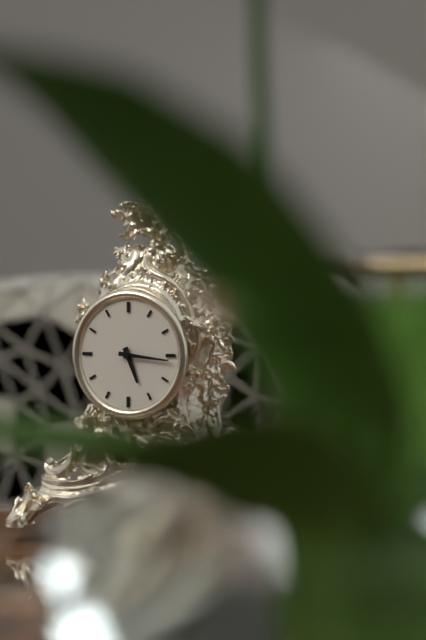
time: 5:16
